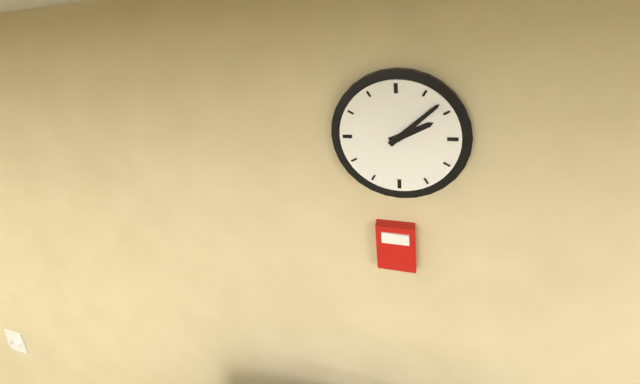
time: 2:08
